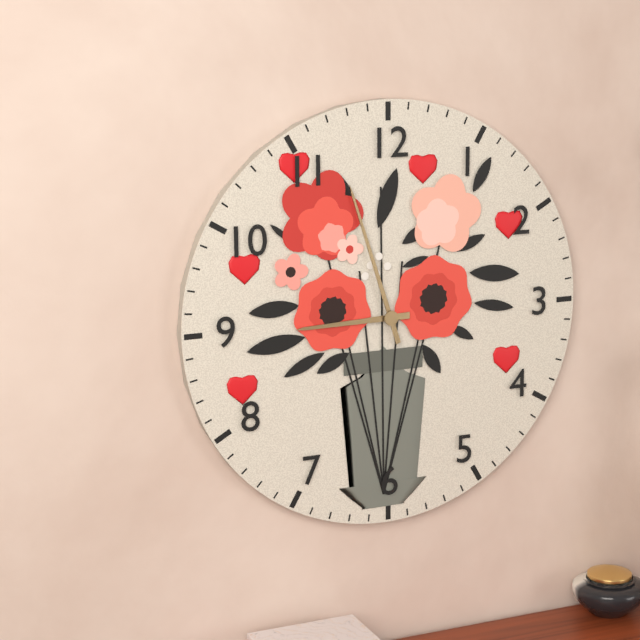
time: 8:57
